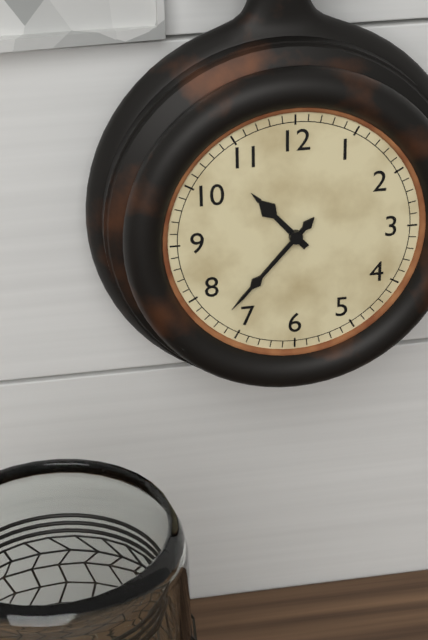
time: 10:37
